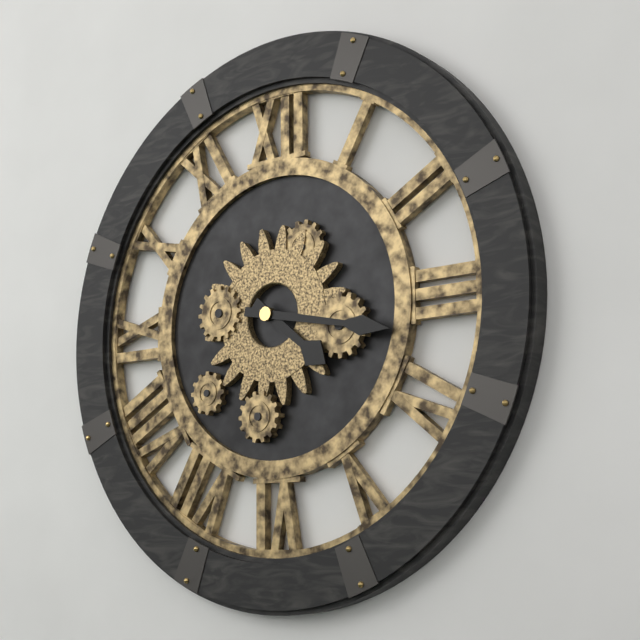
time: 4:17
